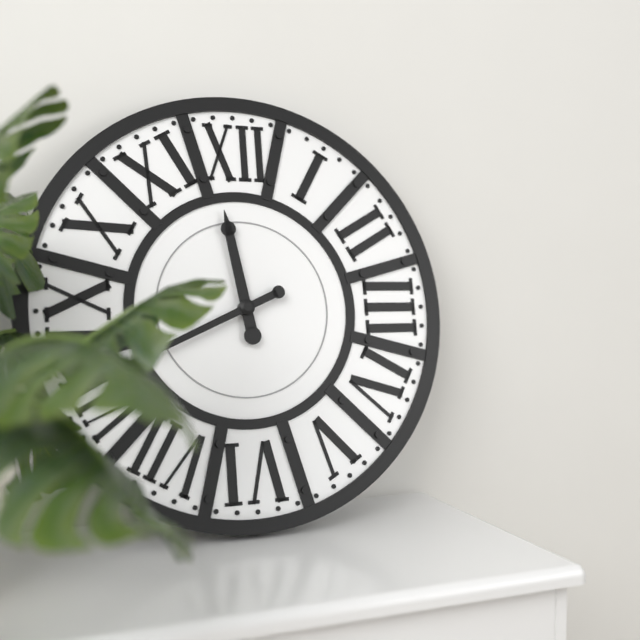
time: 11:41
